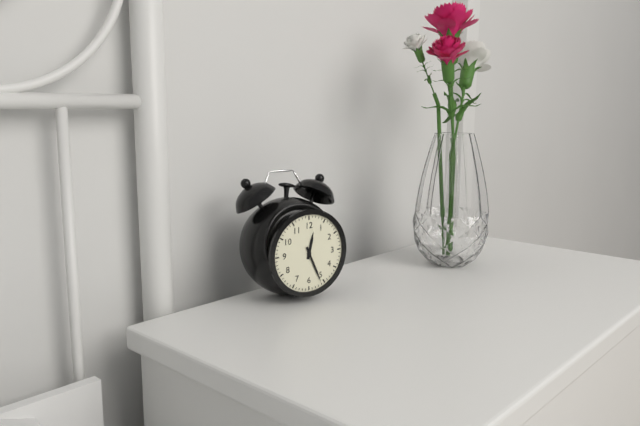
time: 12:26
